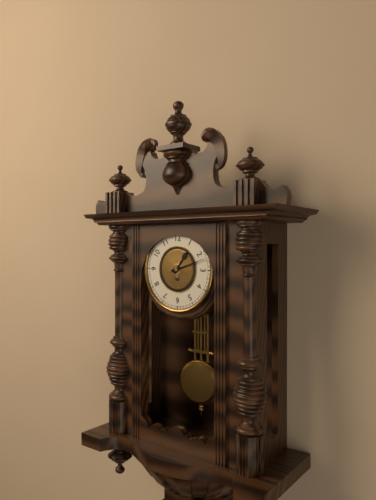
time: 1:12
